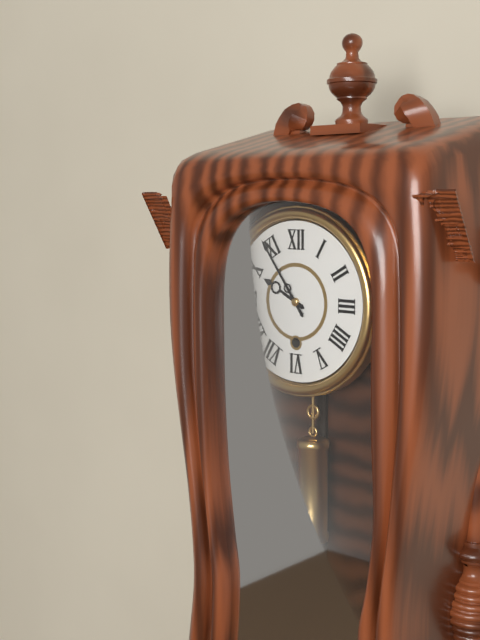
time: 9:54
